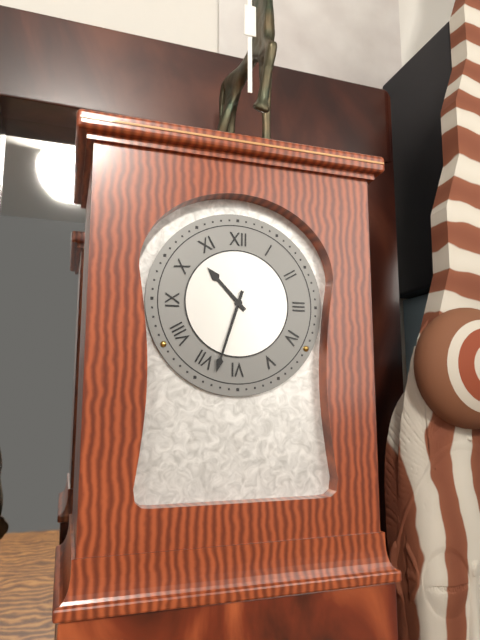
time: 10:33
